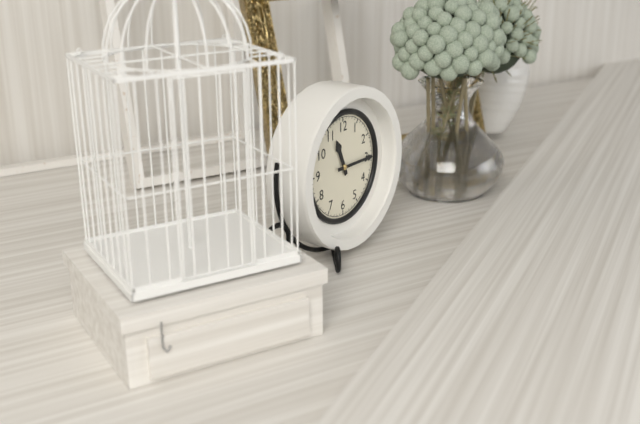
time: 11:15
